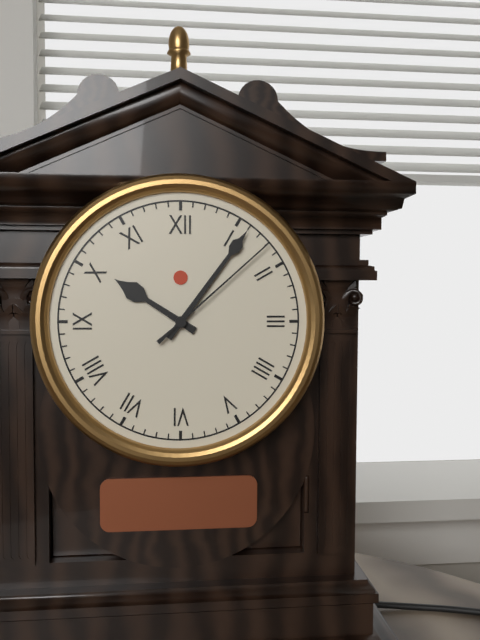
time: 10:06:08
